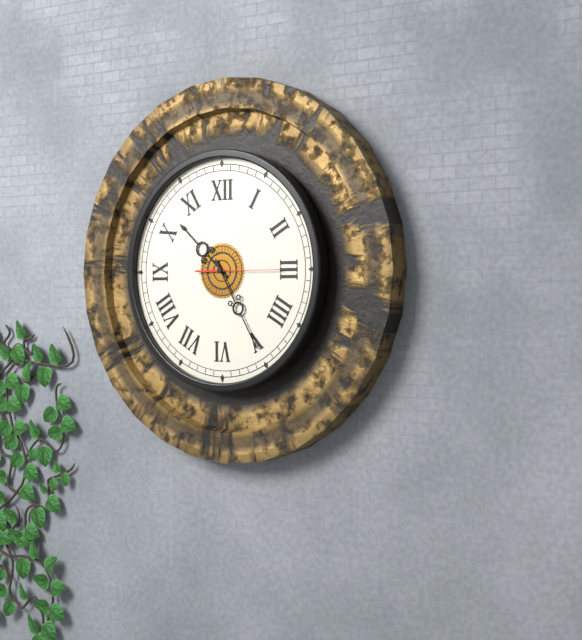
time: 10:25:15
